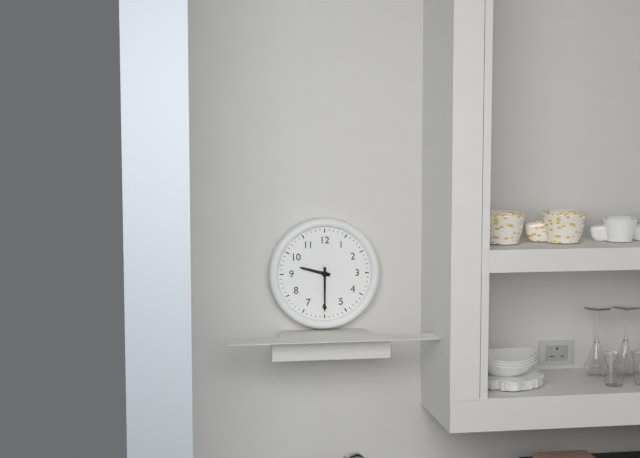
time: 9:30
